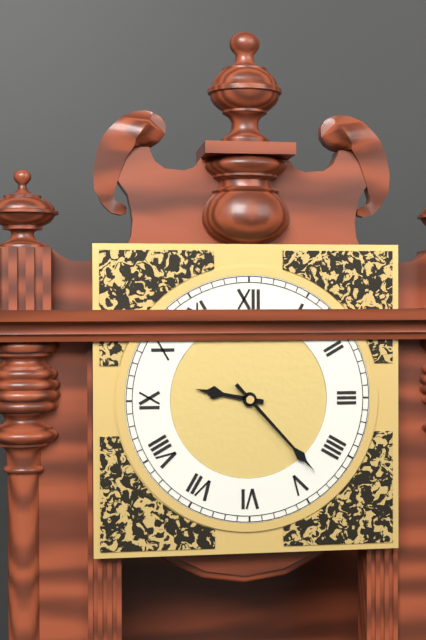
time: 9:23
